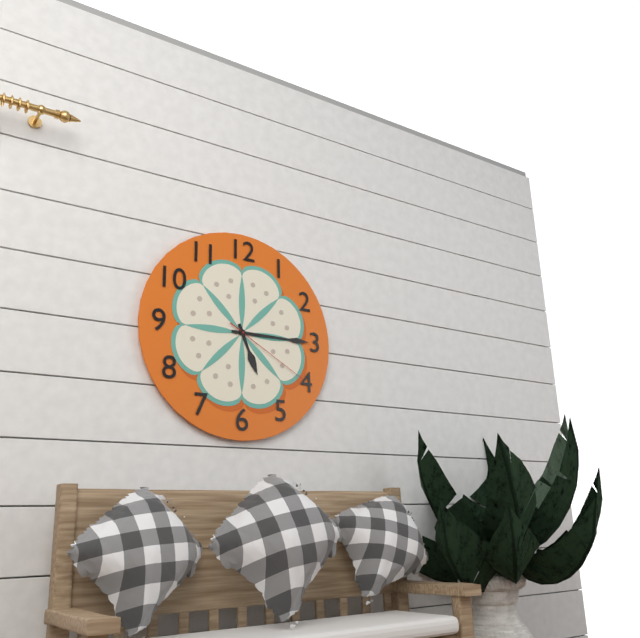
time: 5:15:20
